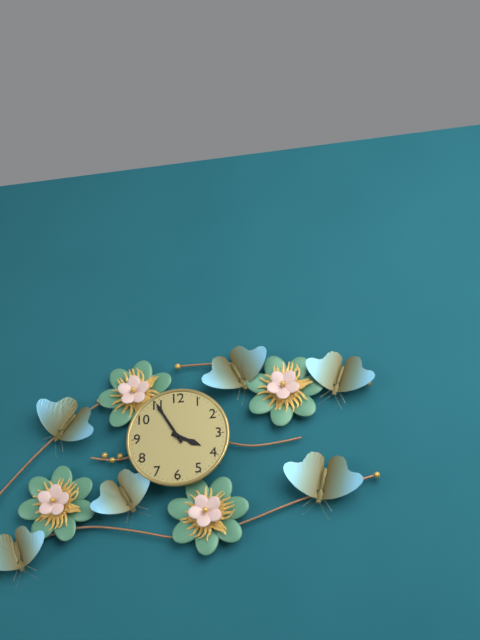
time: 3:55
